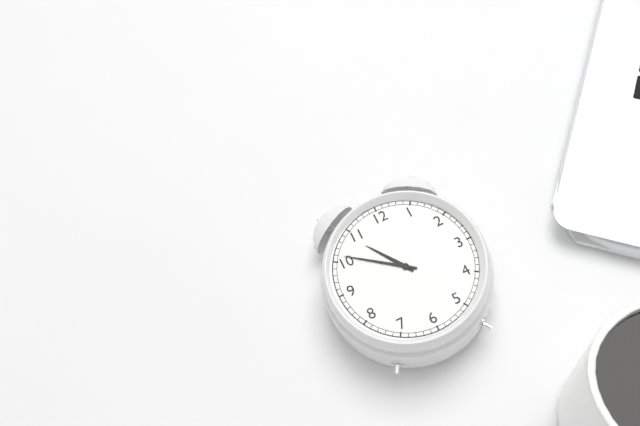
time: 10:51
